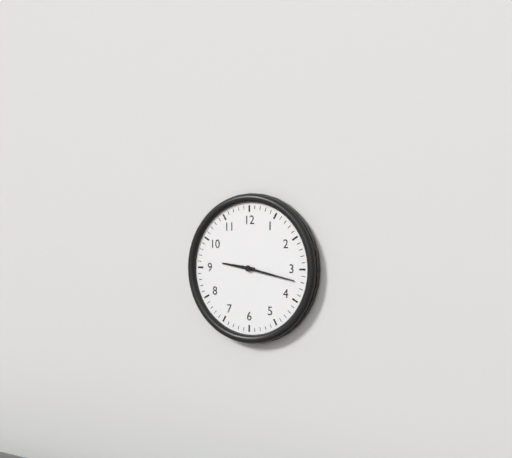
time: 9:17
